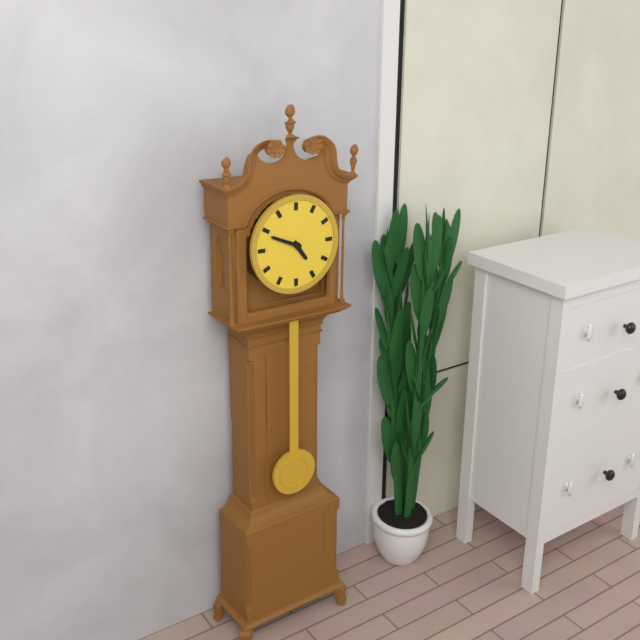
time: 4:49
